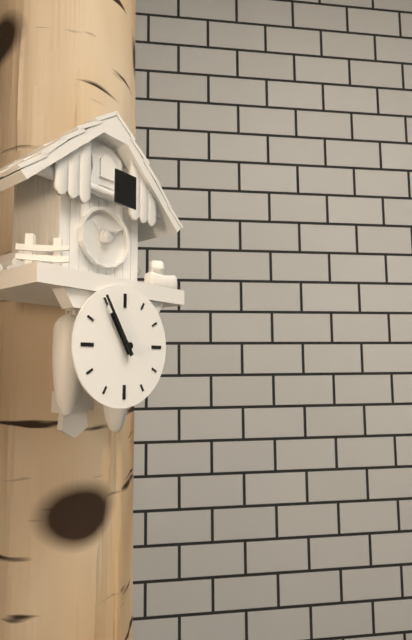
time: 10:55
